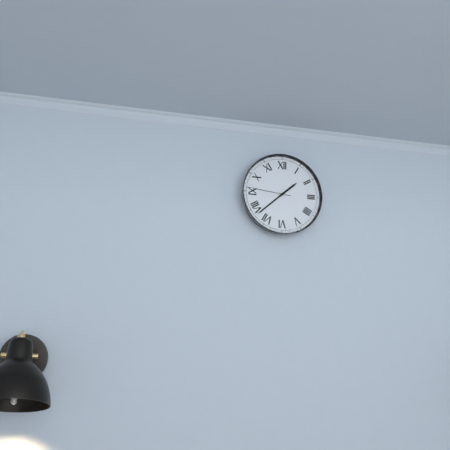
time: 1:38
